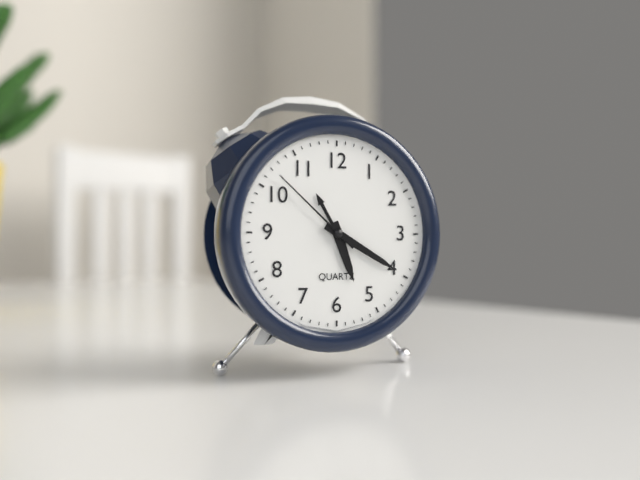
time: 5:20:52
